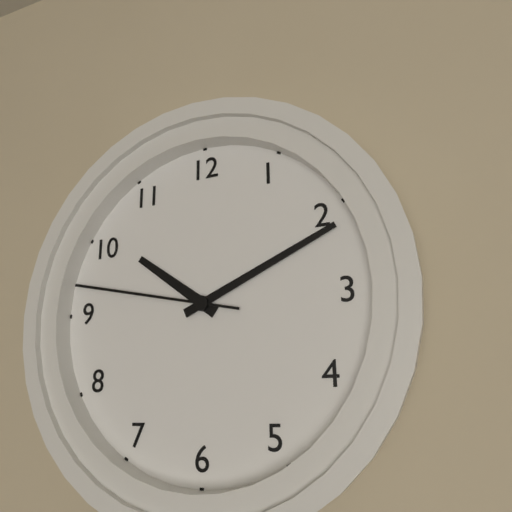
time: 10:11:47
